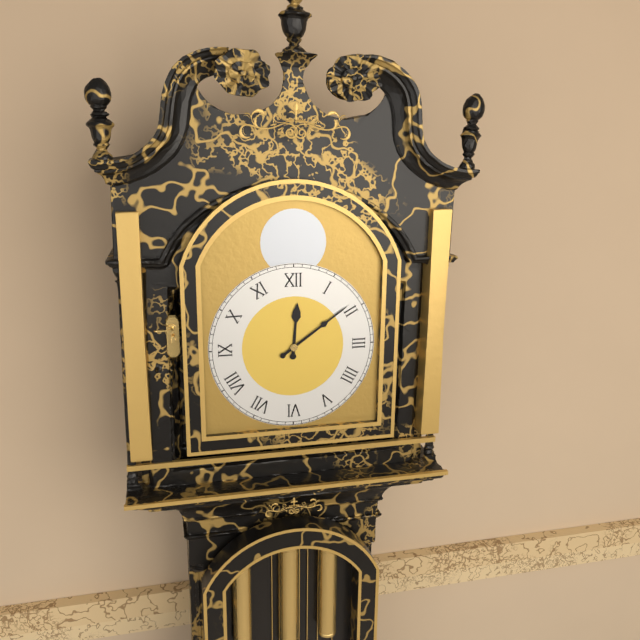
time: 12:09
